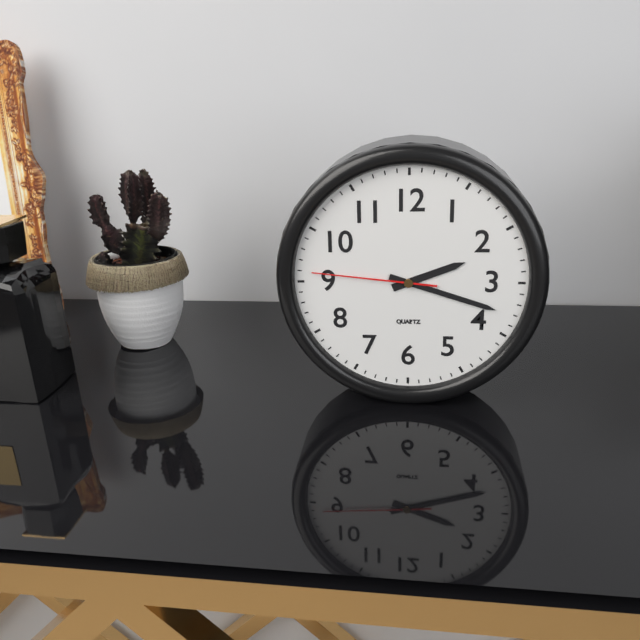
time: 2:18:46
